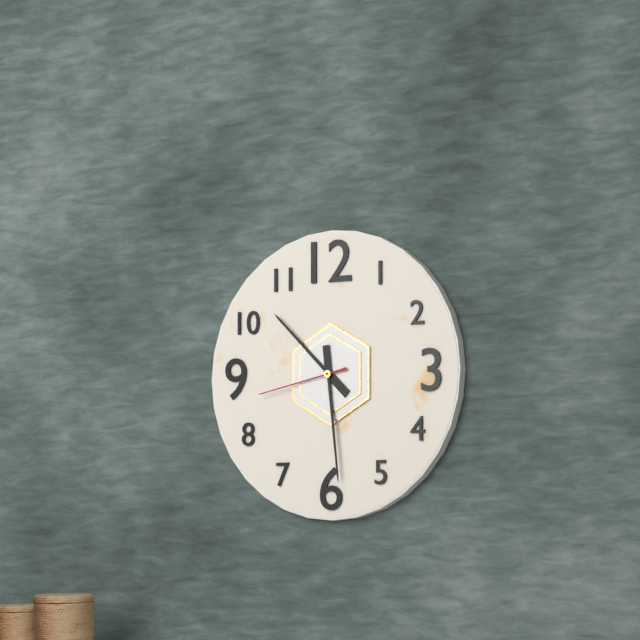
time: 10:29:43
